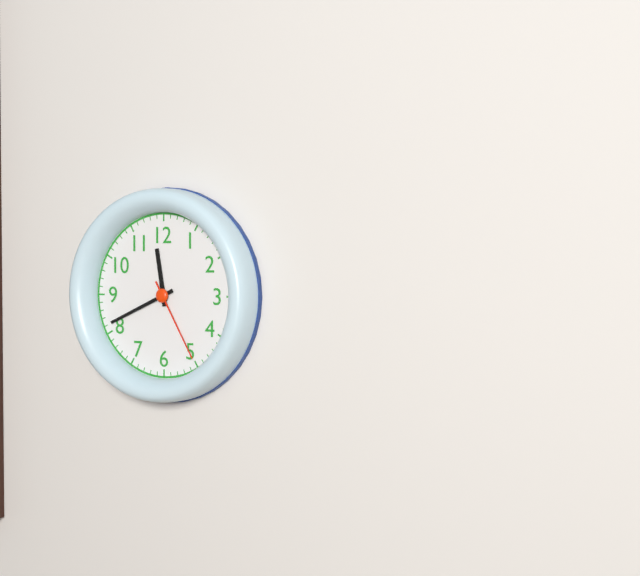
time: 11:41:25
